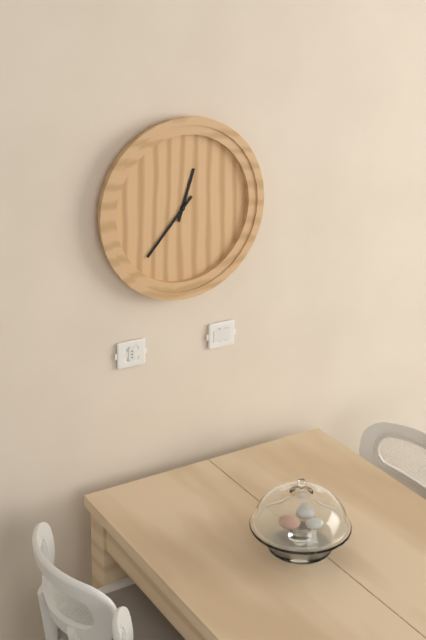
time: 12:37
